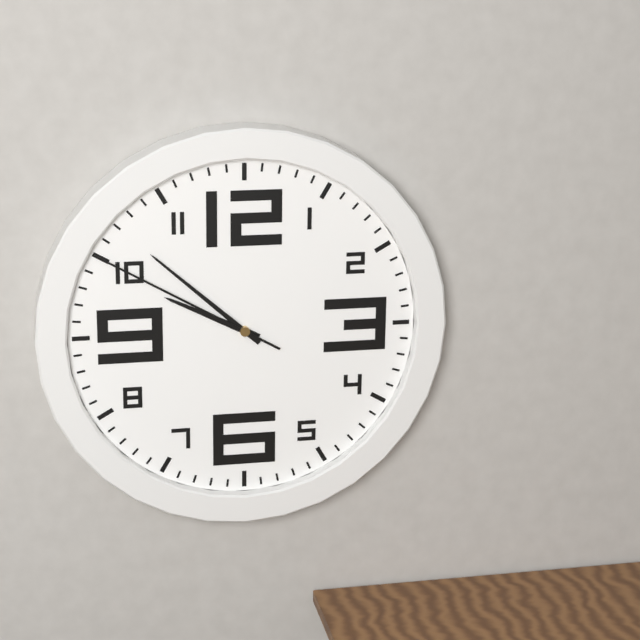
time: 9:52:50
